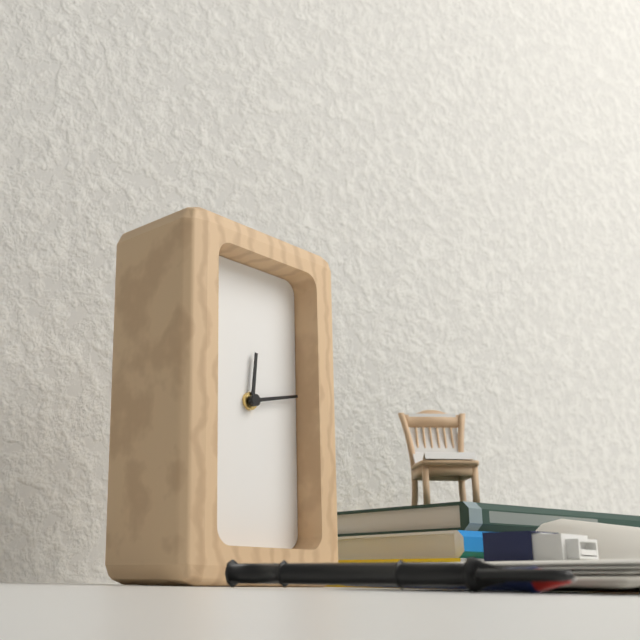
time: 12:13
